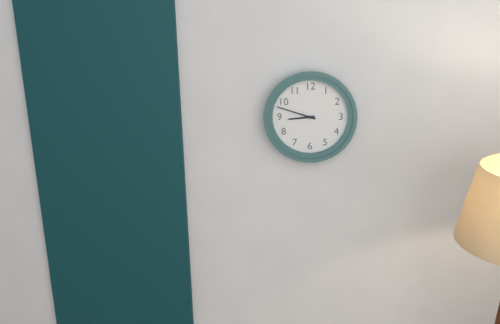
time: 8:48
